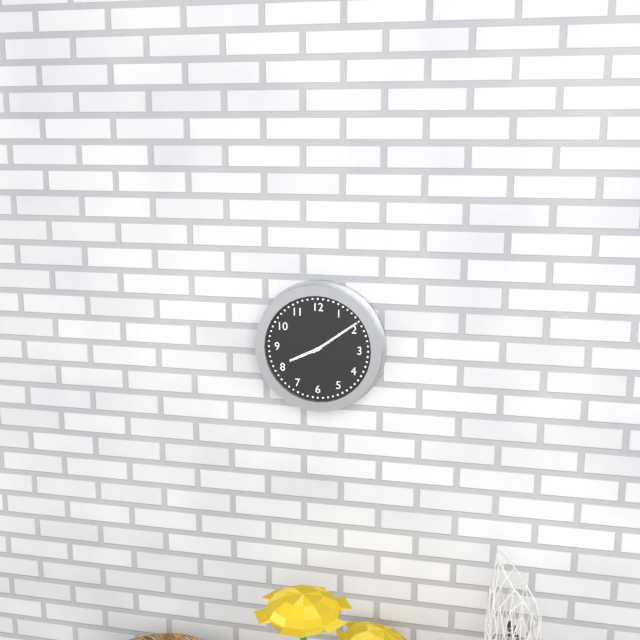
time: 8:09
